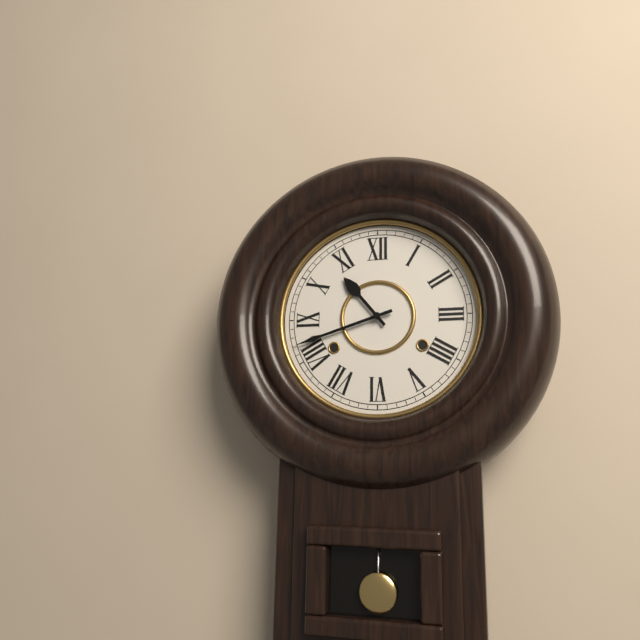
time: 10:42
